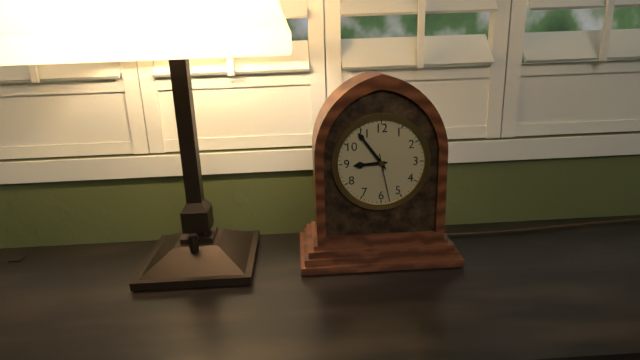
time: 8:54
